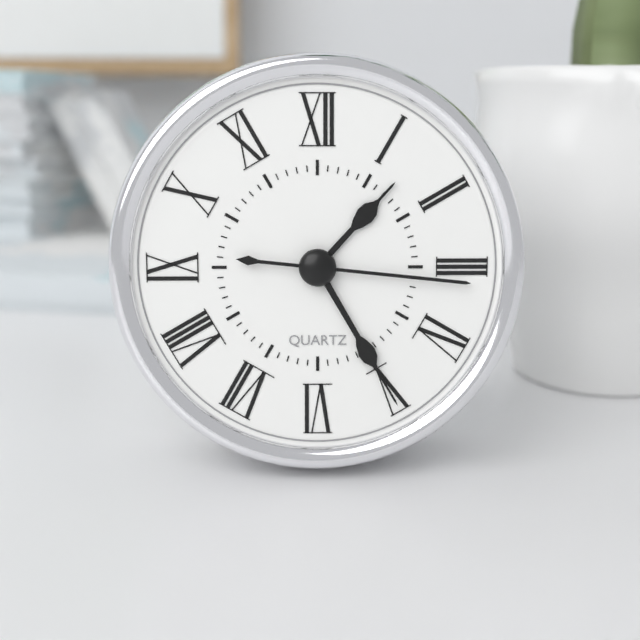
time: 1:25:16
